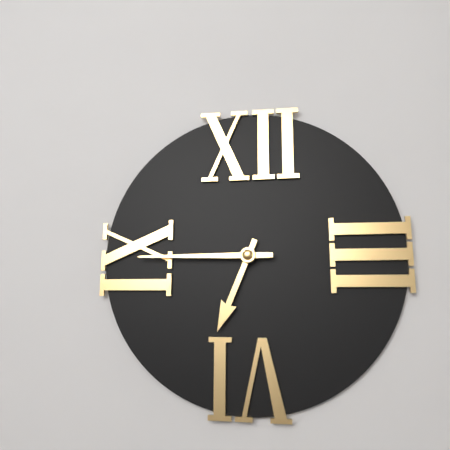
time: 6:45
